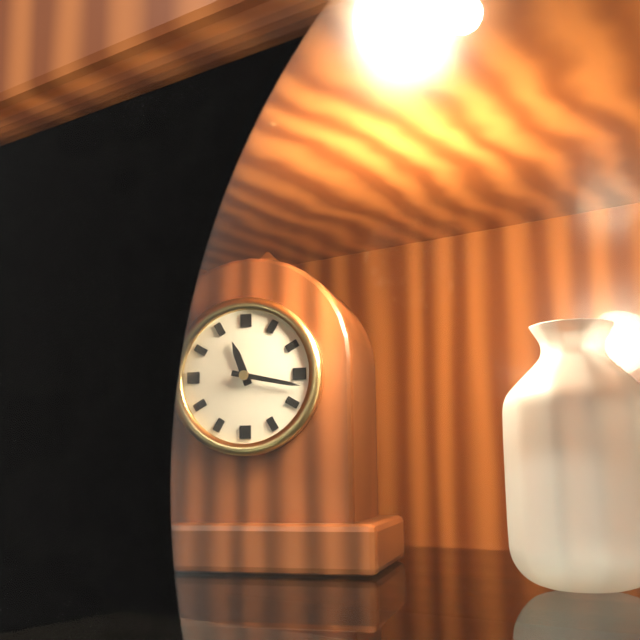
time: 11:17
